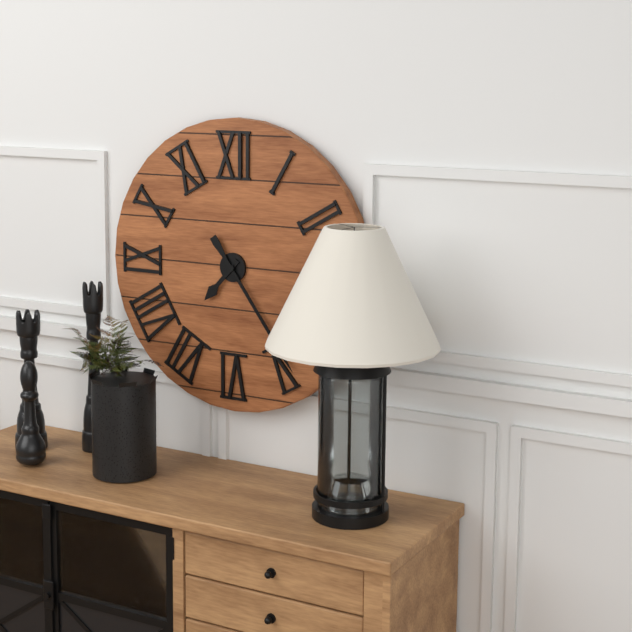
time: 7:24
